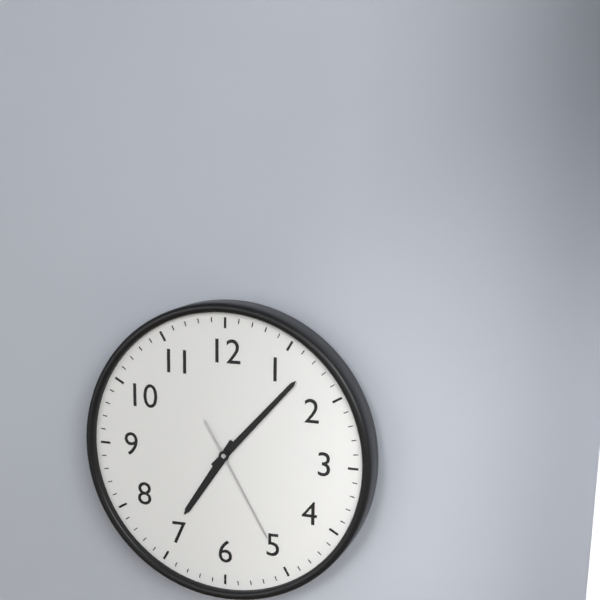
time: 7:07:25
